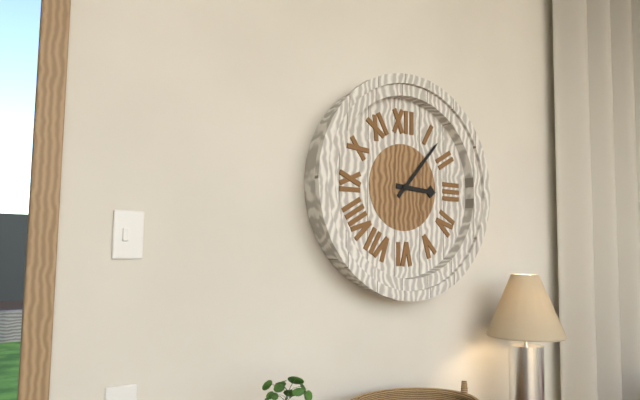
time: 3:07
